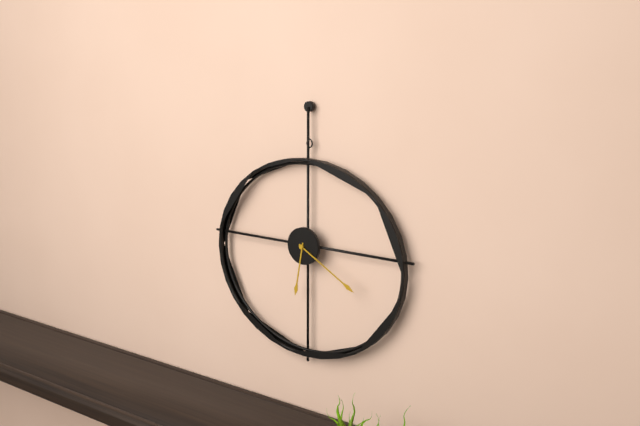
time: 6:20
